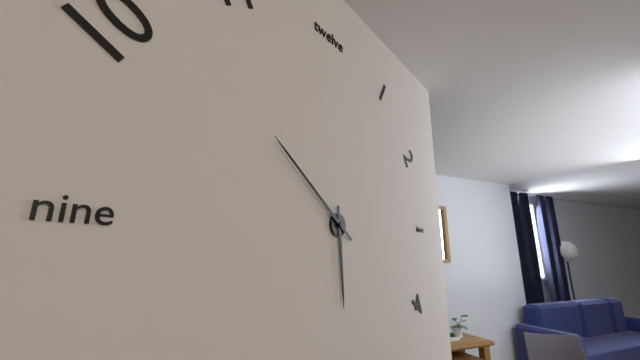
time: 5:51
